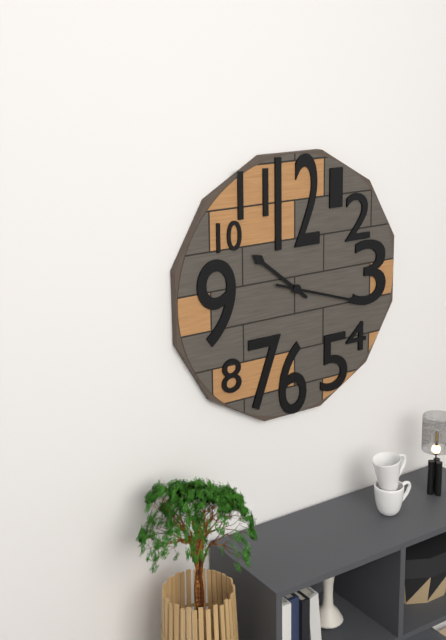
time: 10:18
